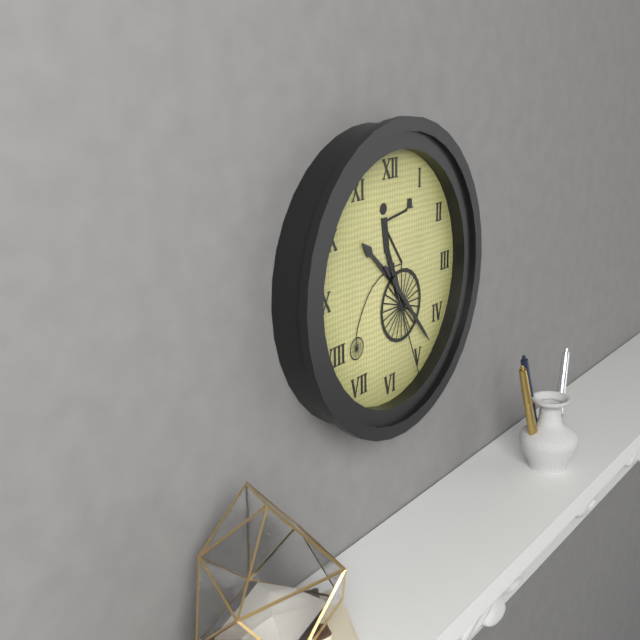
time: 10:23:26
